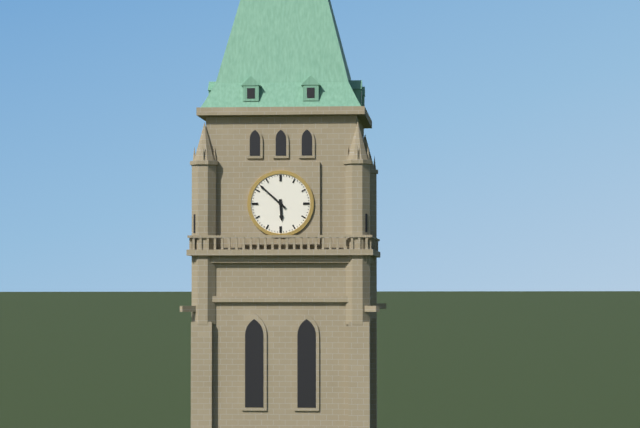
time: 5:52
